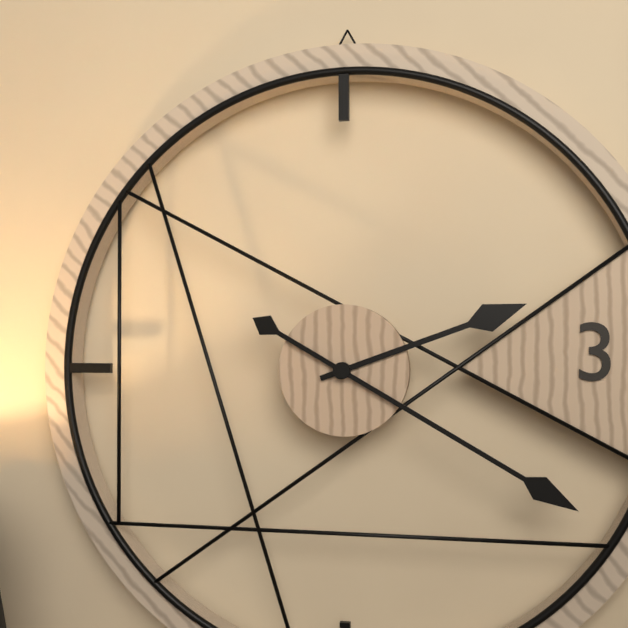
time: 2:20
